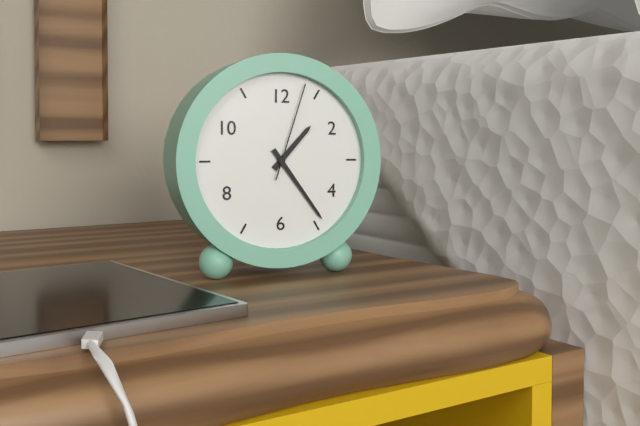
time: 1:24:03
